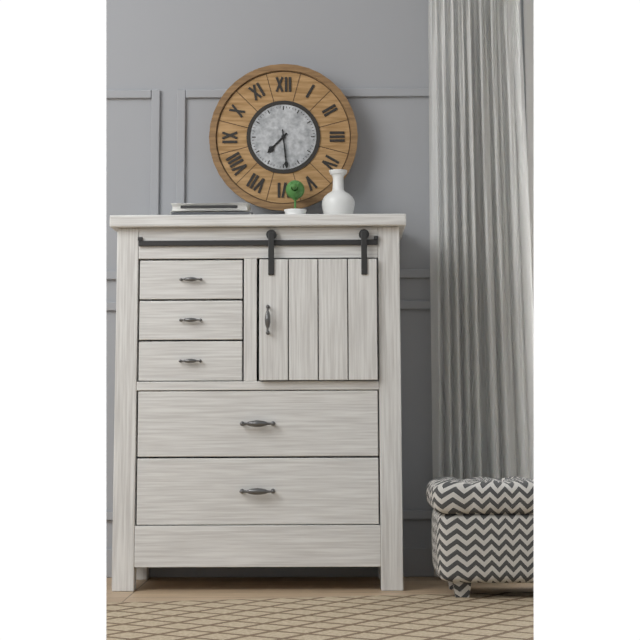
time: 7:29
